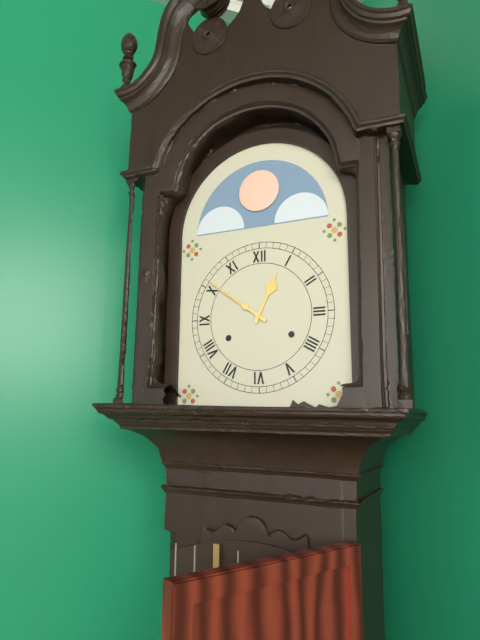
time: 12:51
